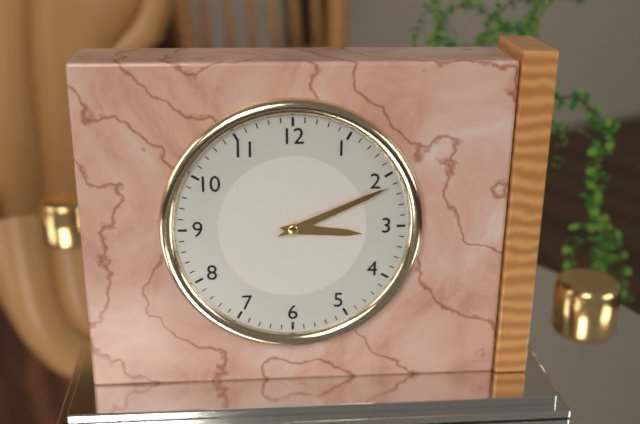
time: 3:11
